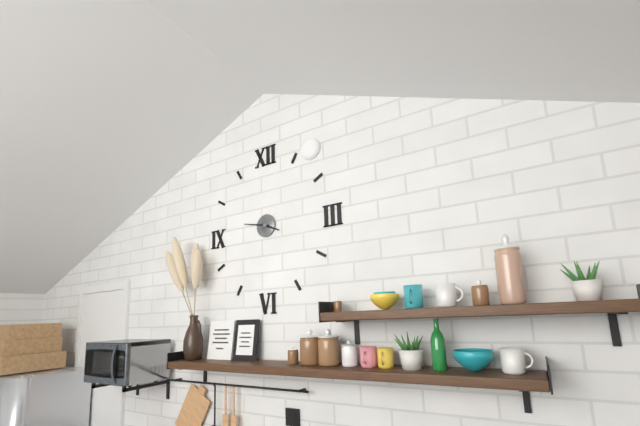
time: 3:47
